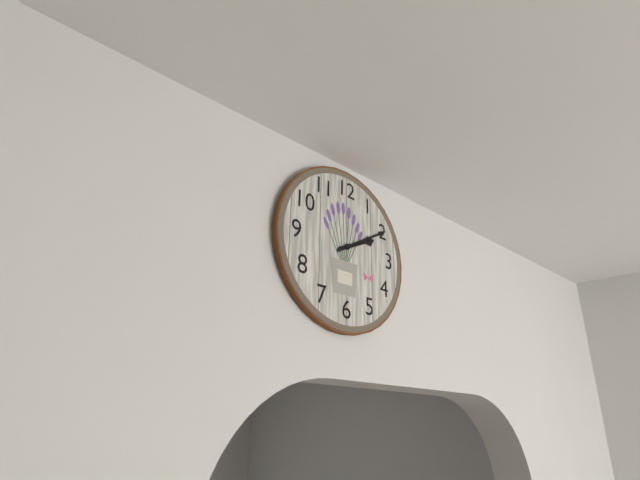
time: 2:10
